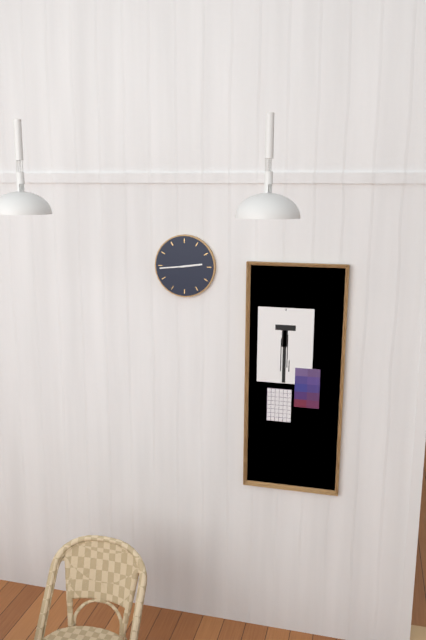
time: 2:44
